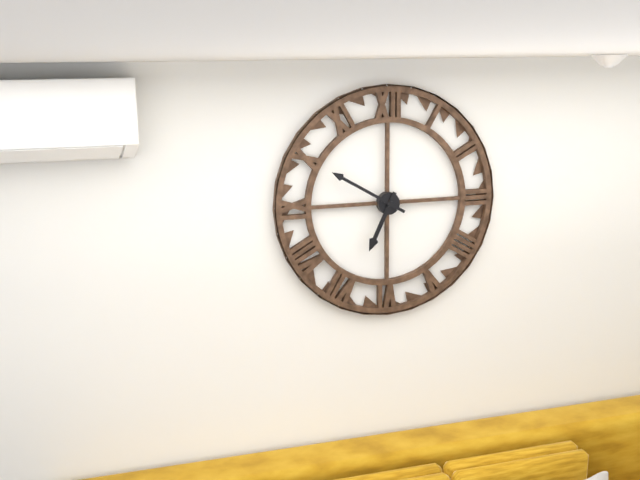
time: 6:50
